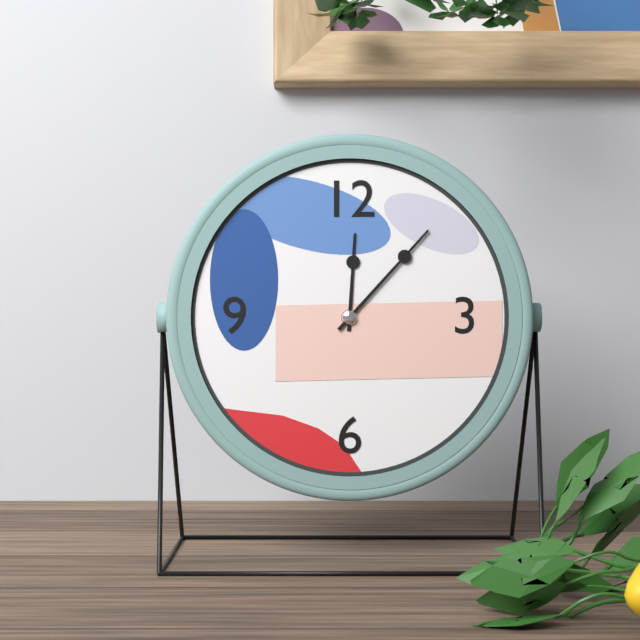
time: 12:07
